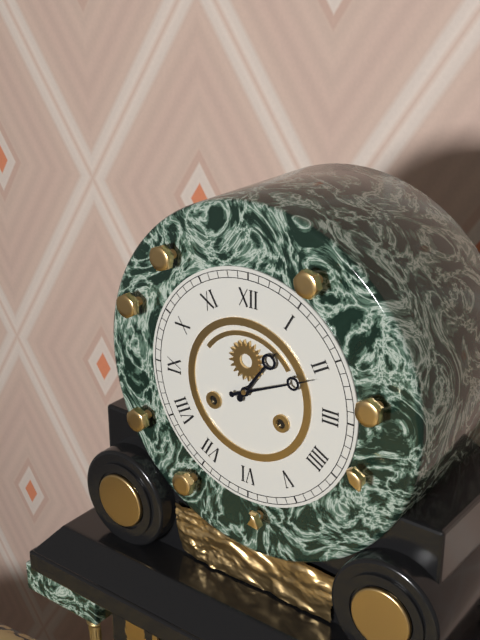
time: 1:11
